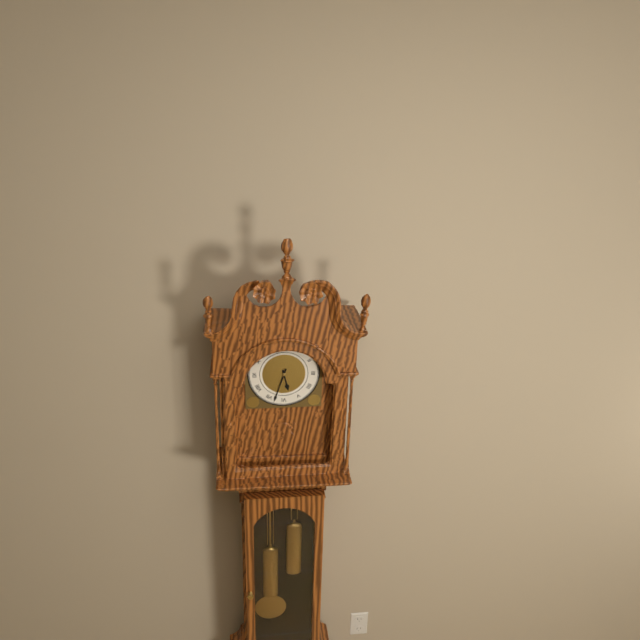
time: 5:33
